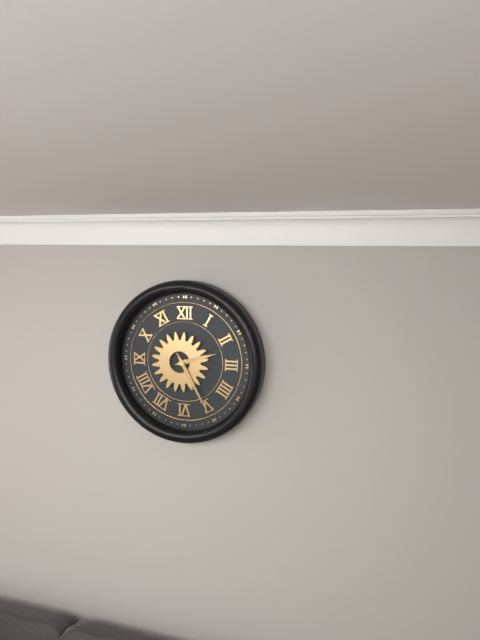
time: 2:25
